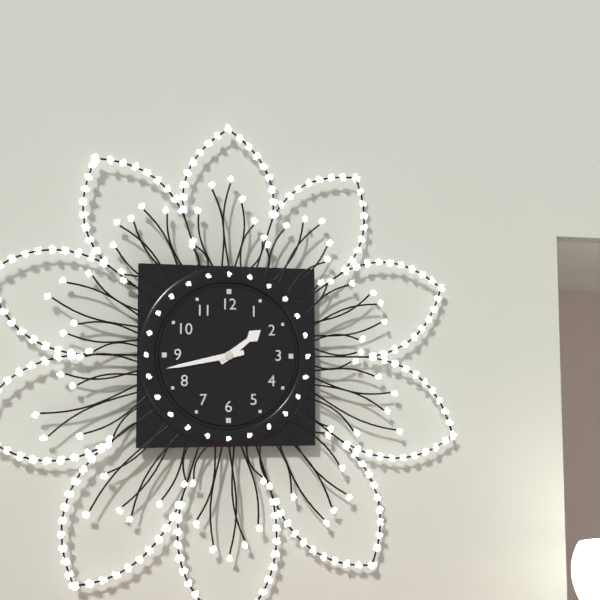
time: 1:43
